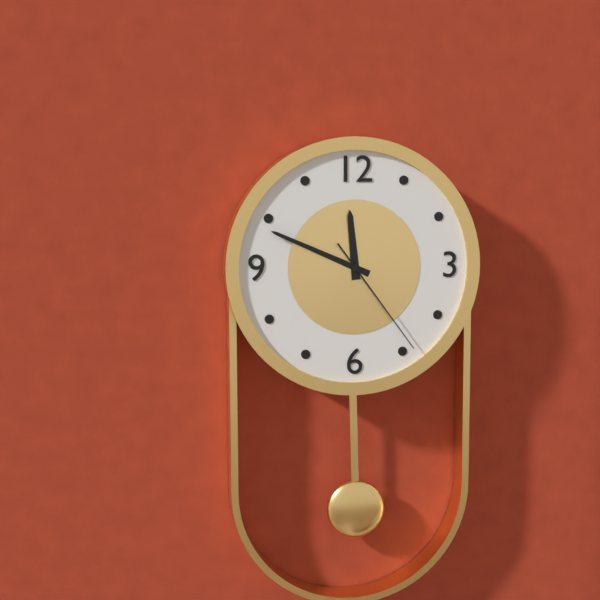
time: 11:49:24
